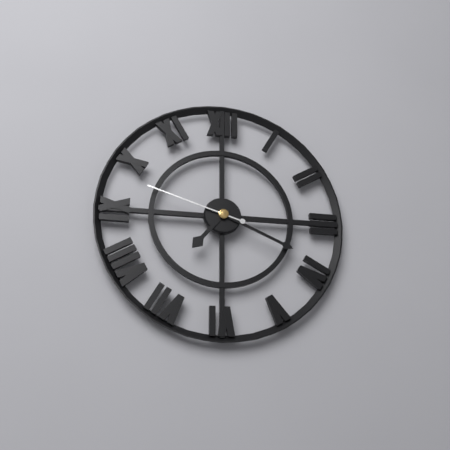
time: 7:19:48
